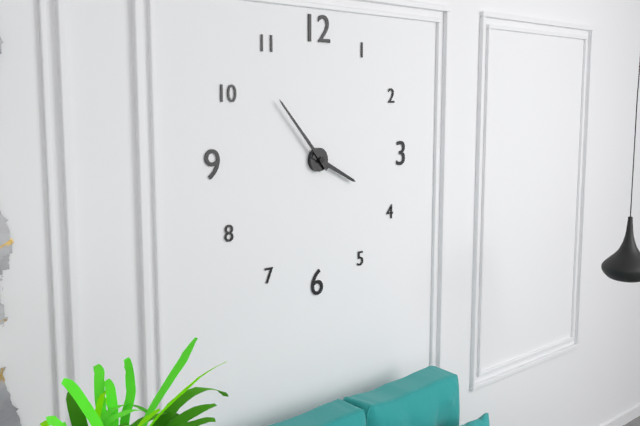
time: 3:53
